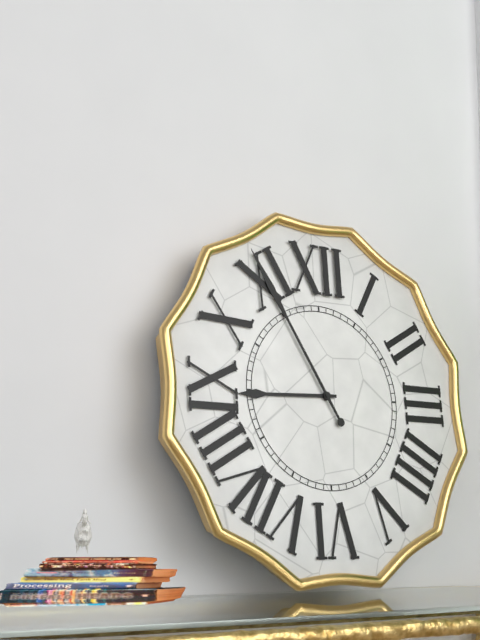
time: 8:55
